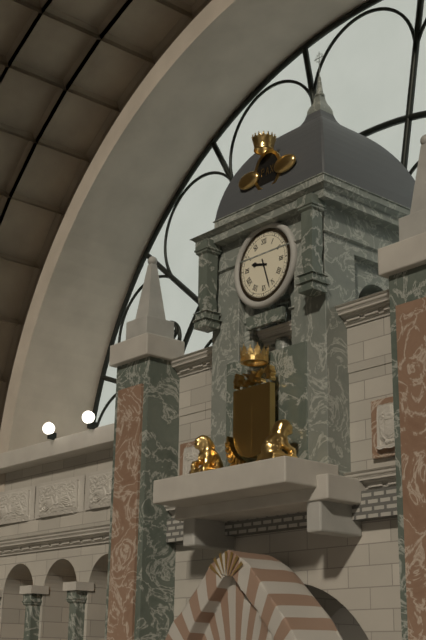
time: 9:27
